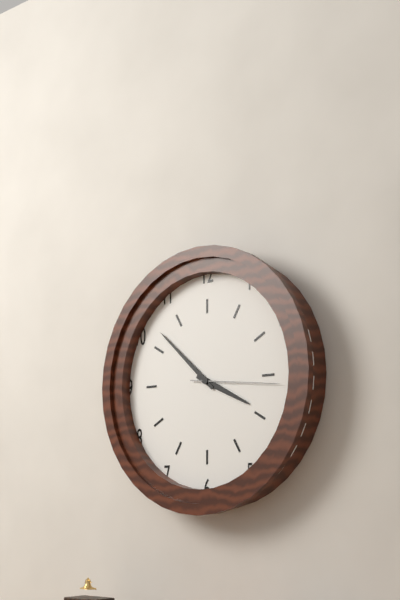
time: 3:52:16
